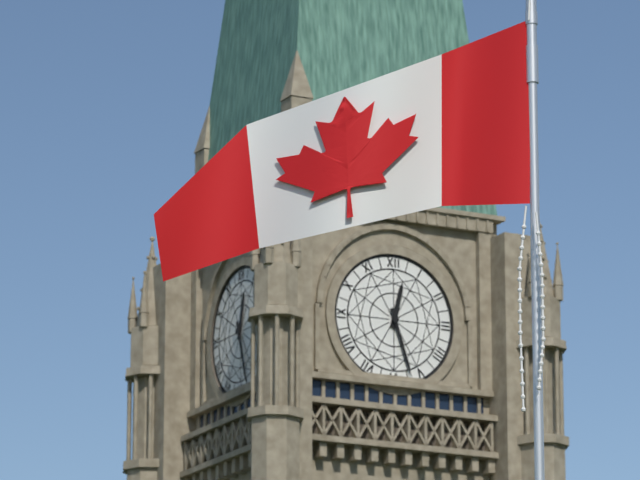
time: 12:27
